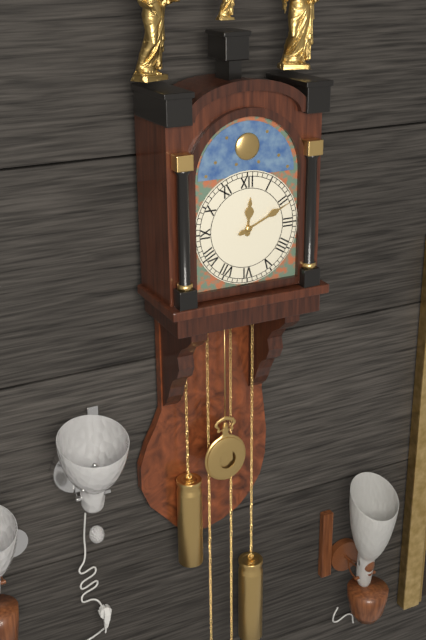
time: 12:11
